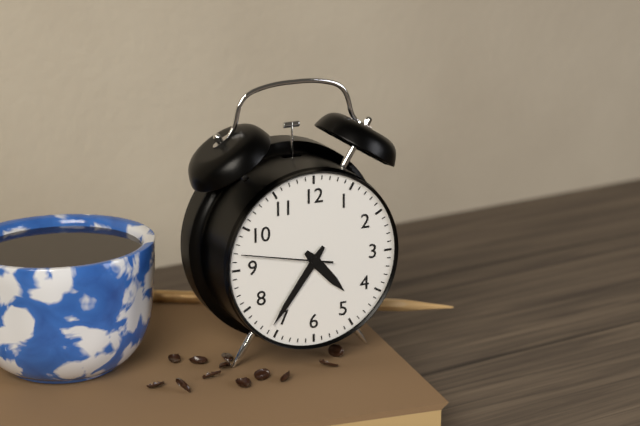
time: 4:36:47
